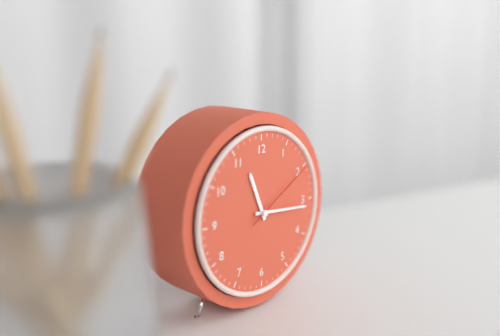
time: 11:16:10
